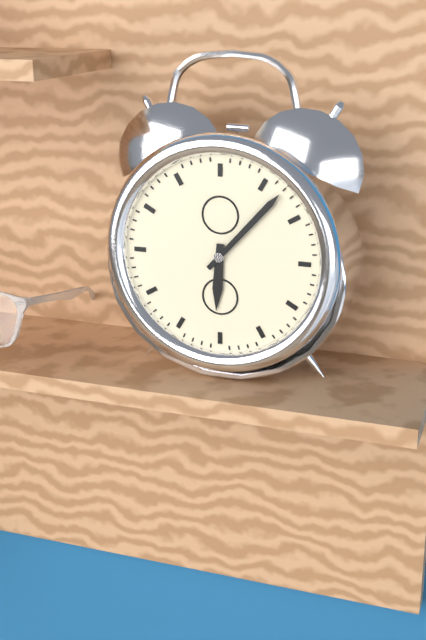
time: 6:07
